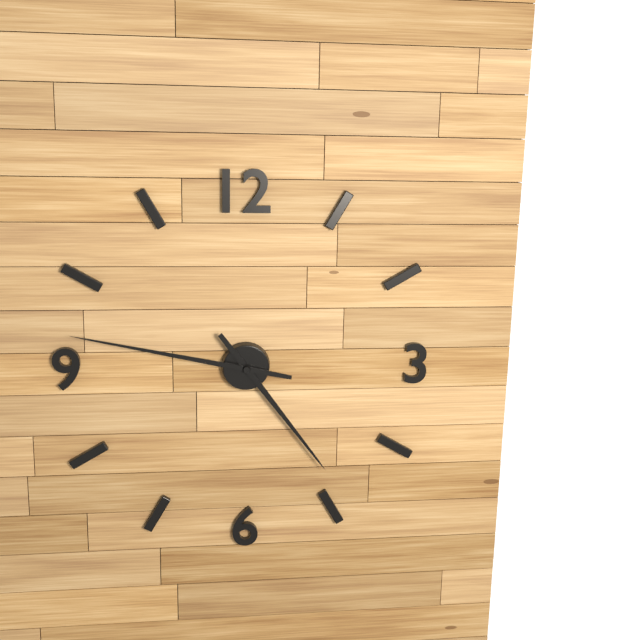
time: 4:47
